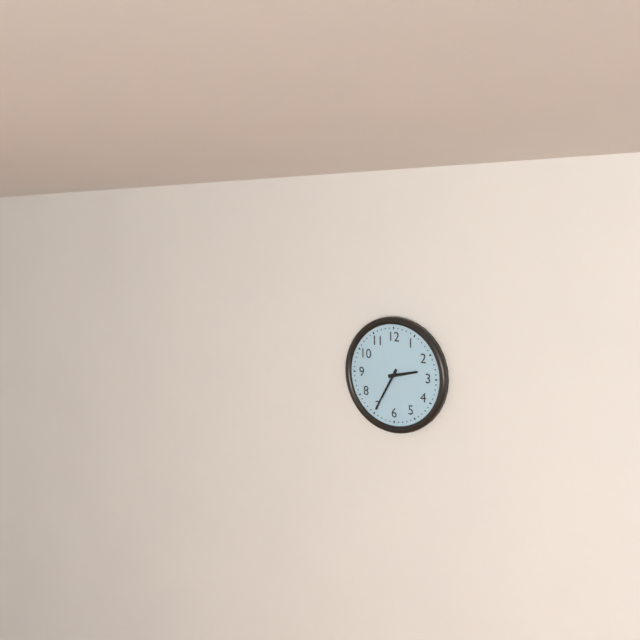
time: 2:35
